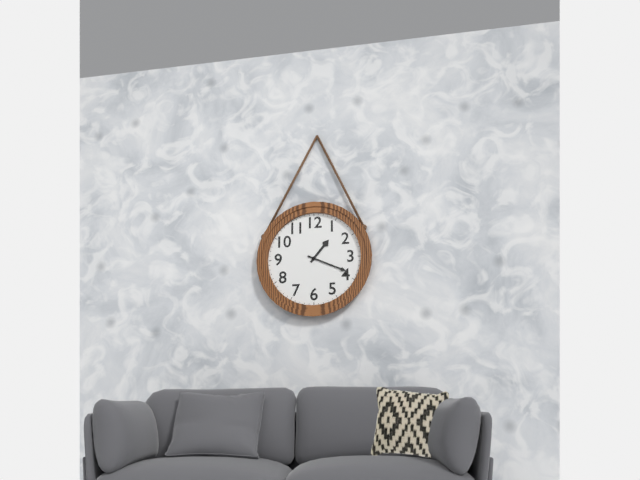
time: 1:19
